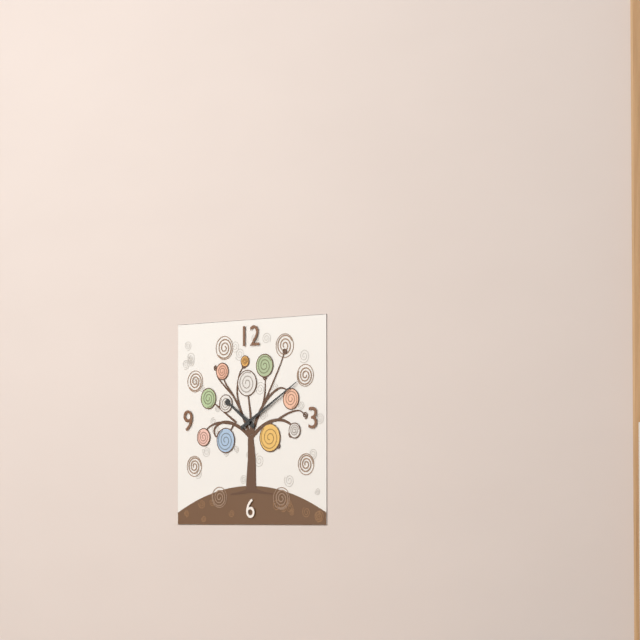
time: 10:10
